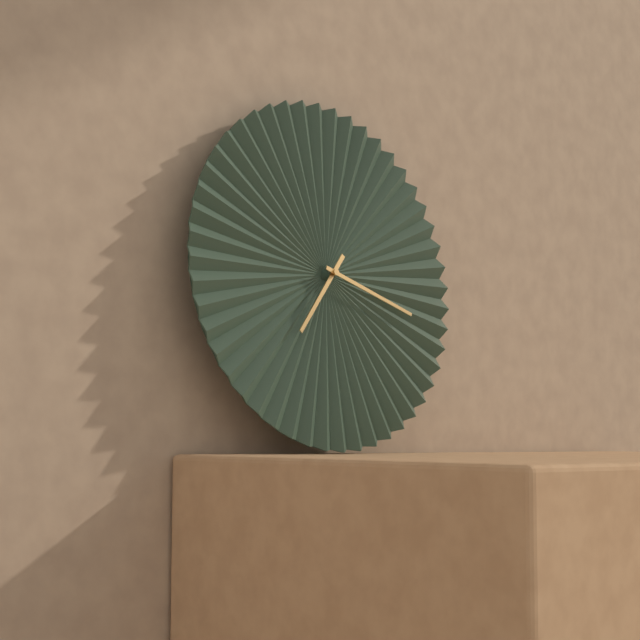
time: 7:18
